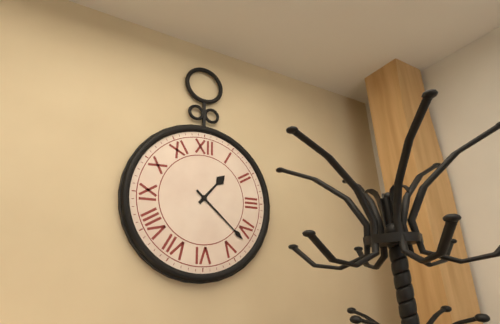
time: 1:22
